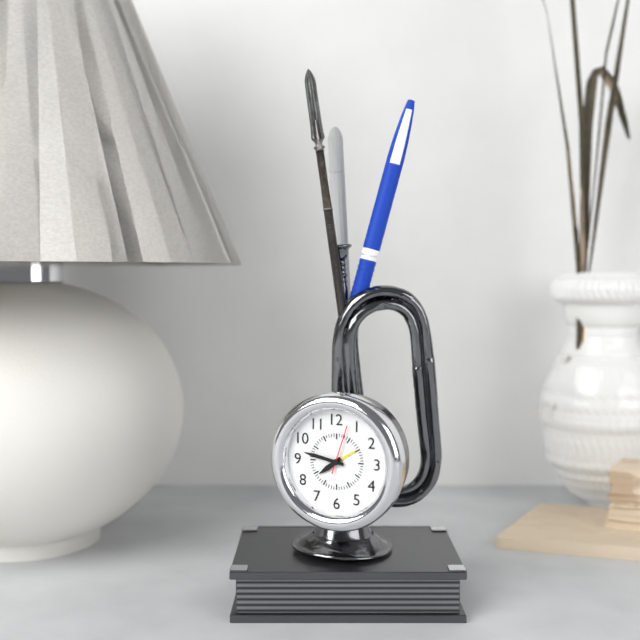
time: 7:47
